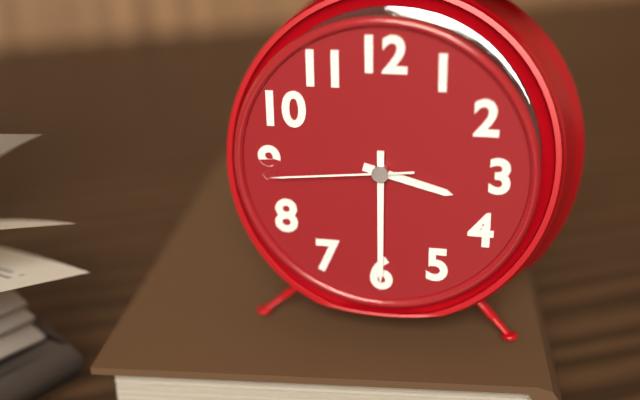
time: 3:30:44
